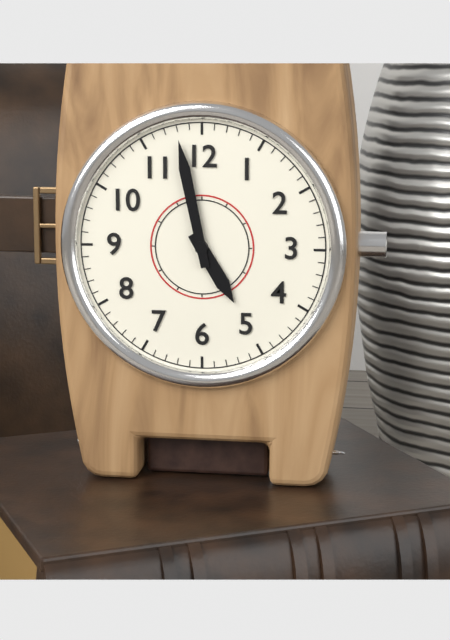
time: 4:58
